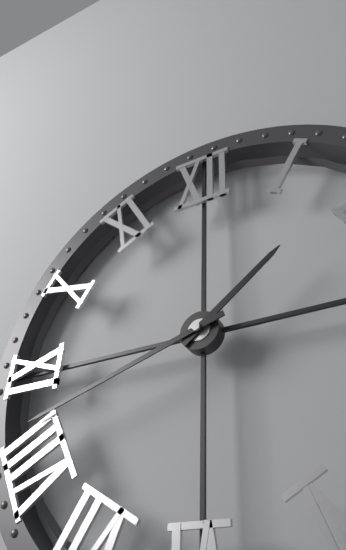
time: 1:42
